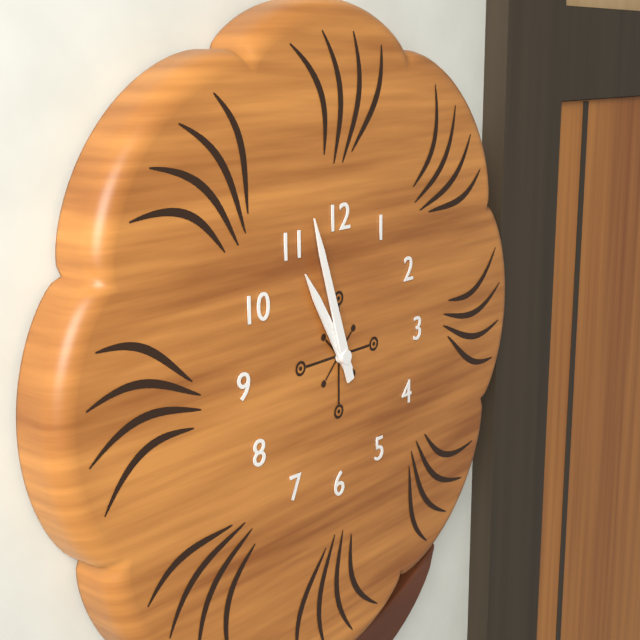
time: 10:57
